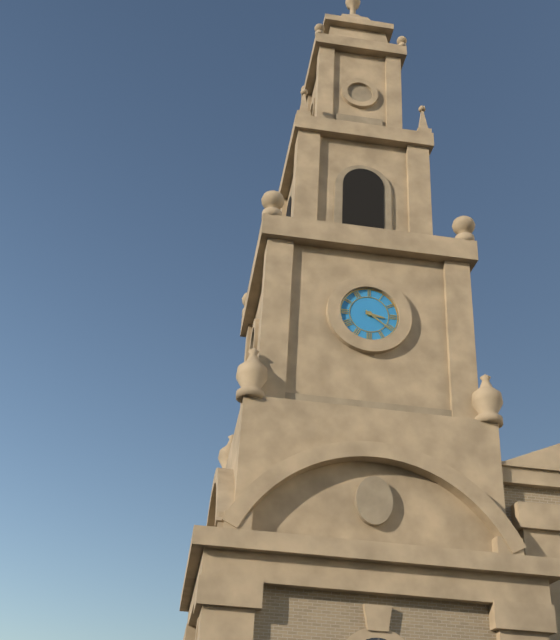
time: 3:21
